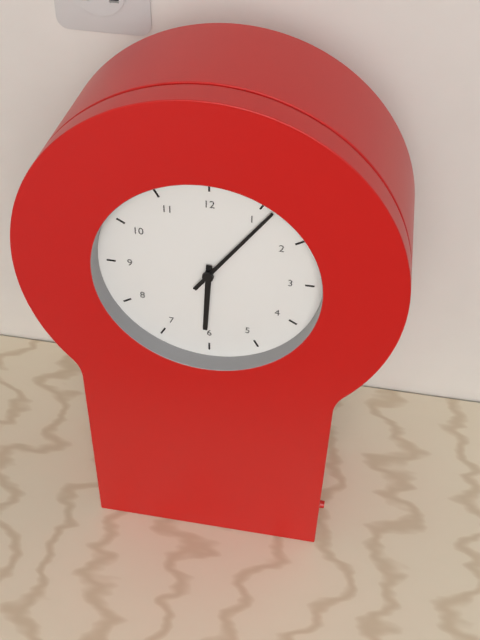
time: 6:06
